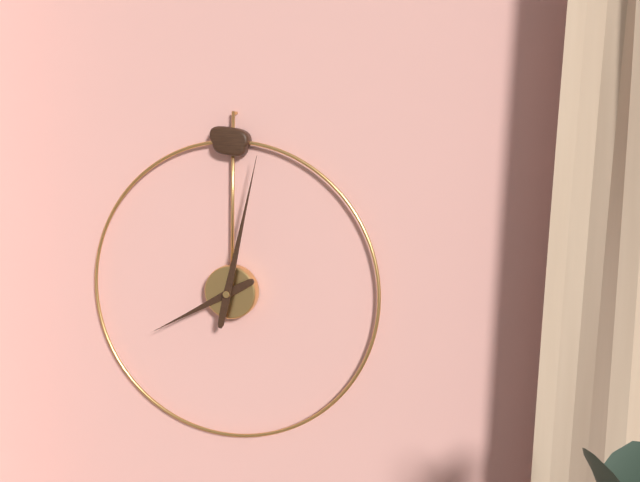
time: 8:02
